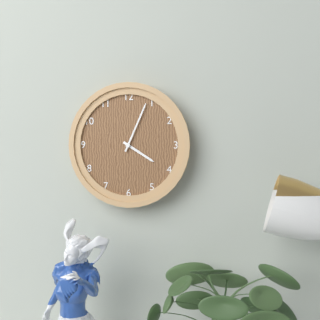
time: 4:04
